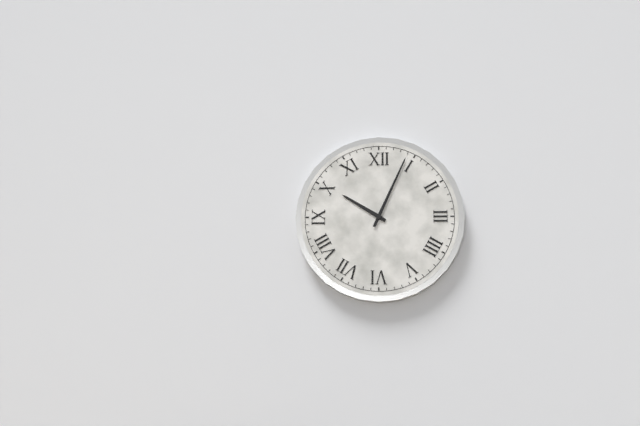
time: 10:04
